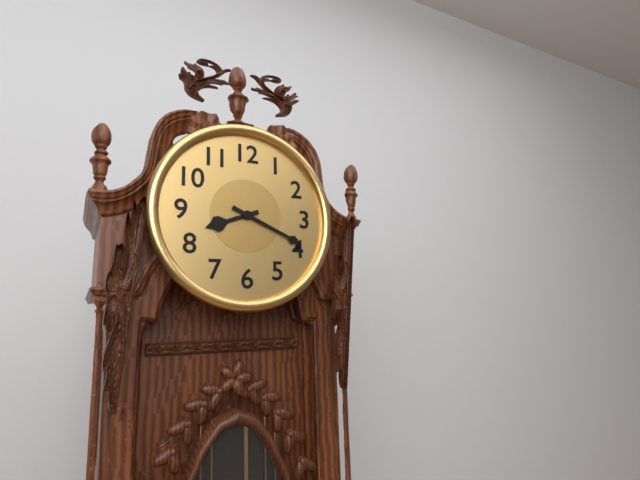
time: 8:19
